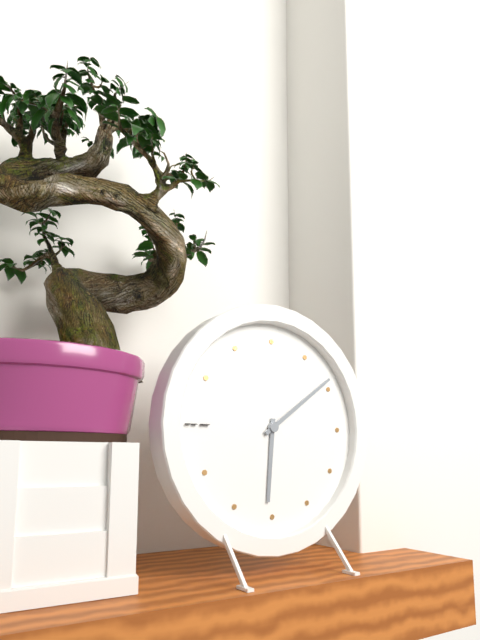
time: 6:09
